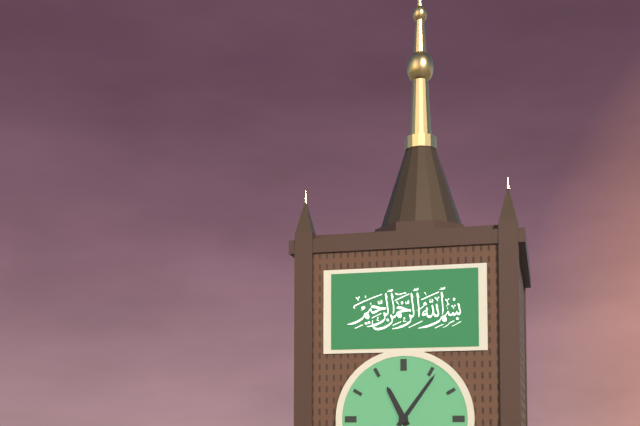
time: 11:06
